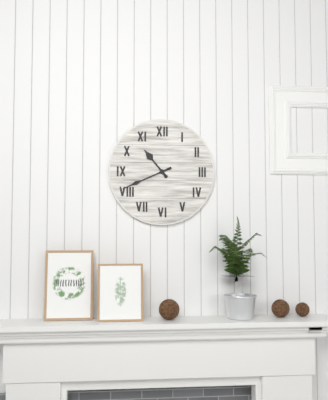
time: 10:41
